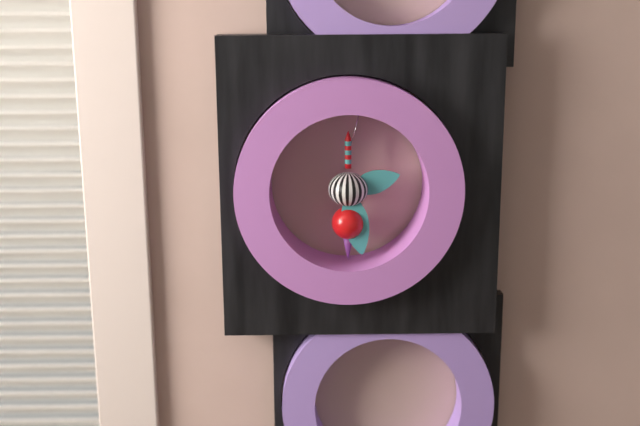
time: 2:28
